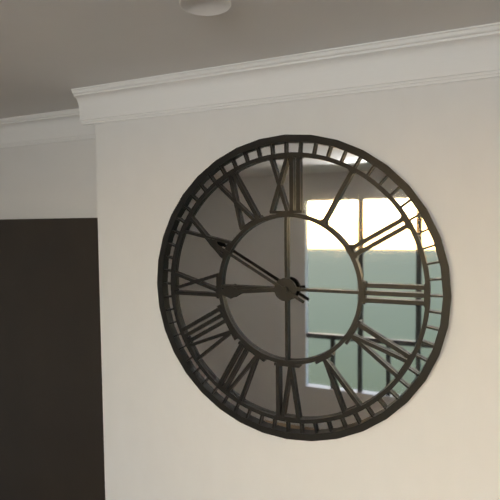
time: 8:50
